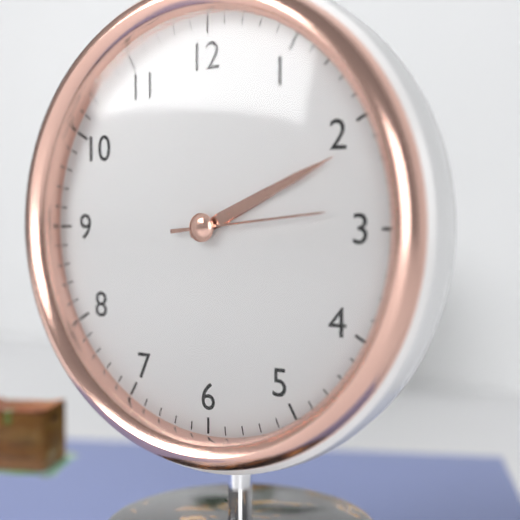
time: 2:11:14
